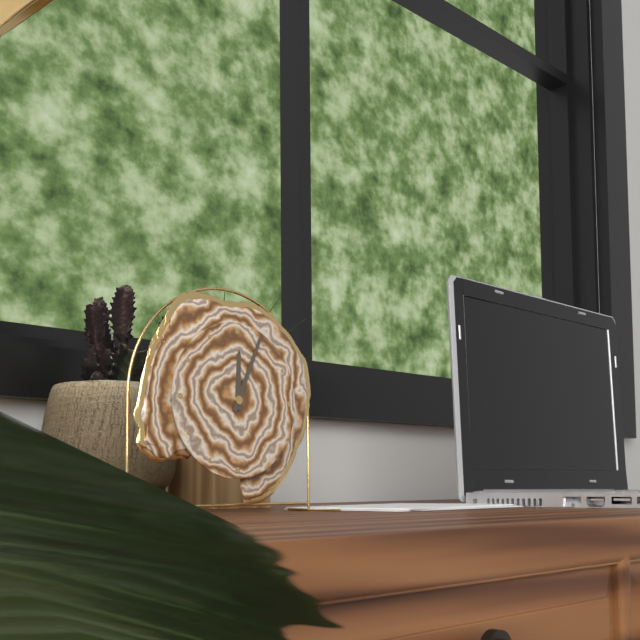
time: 12:04
